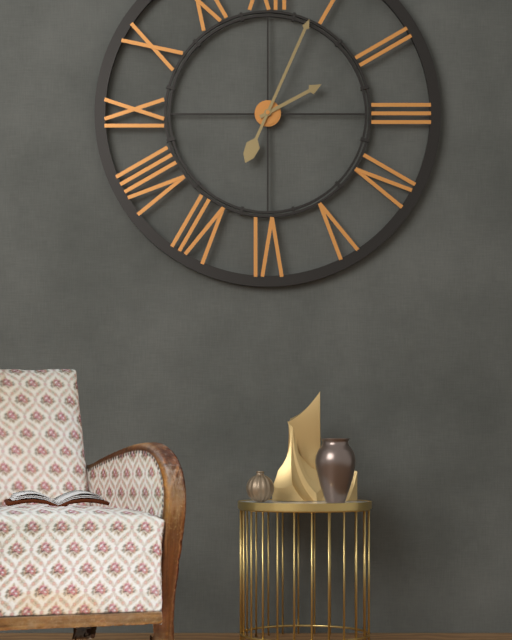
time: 2:04
